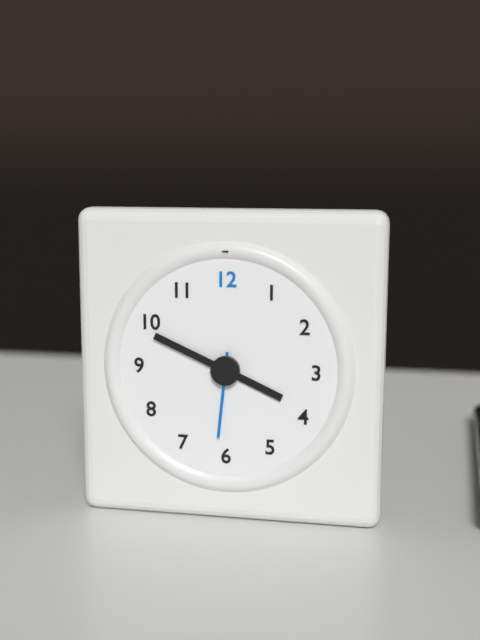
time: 3:49:31
